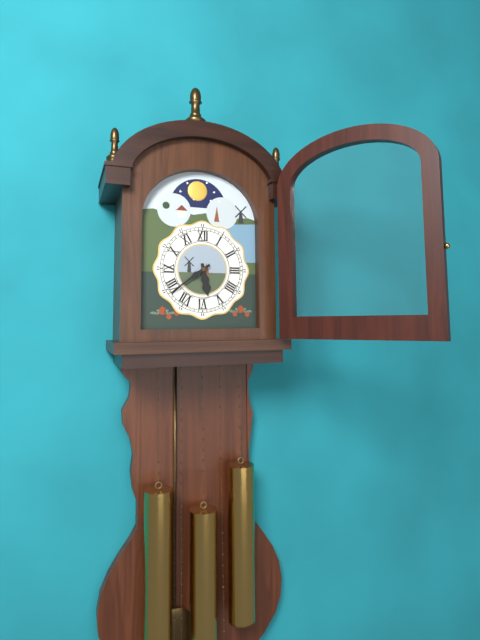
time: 5:39
